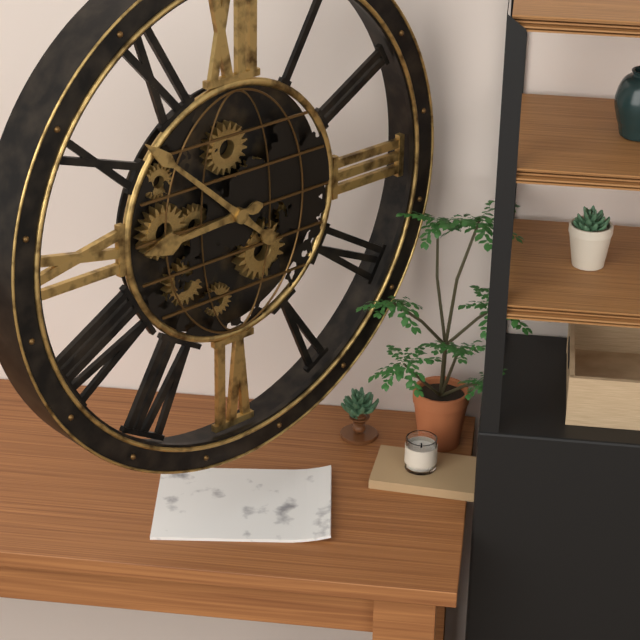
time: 8:52
